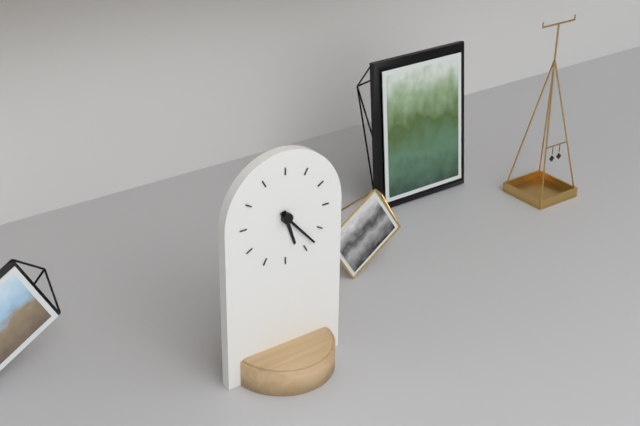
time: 5:23
